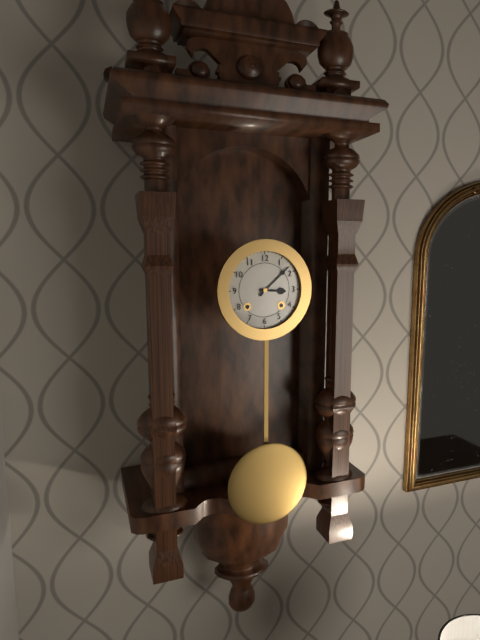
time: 3:08
